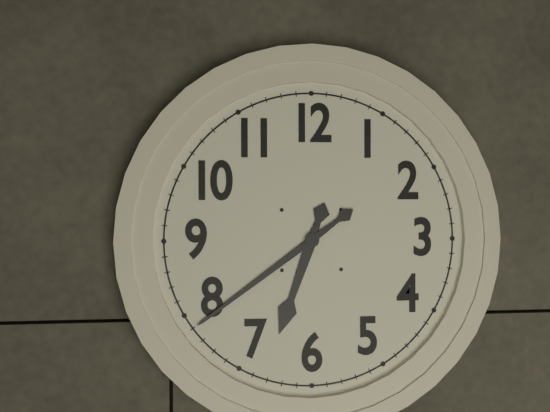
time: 6:39
